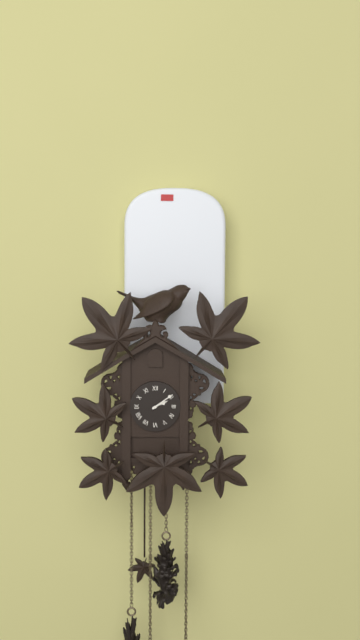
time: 2:09
